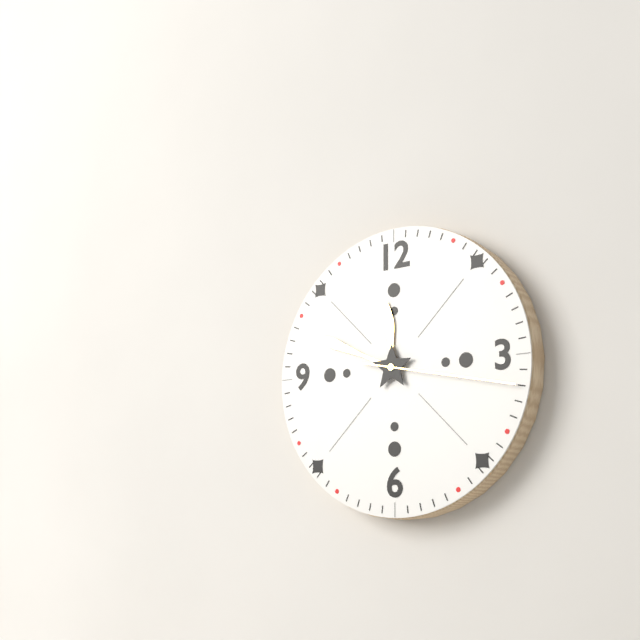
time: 11:49:17
